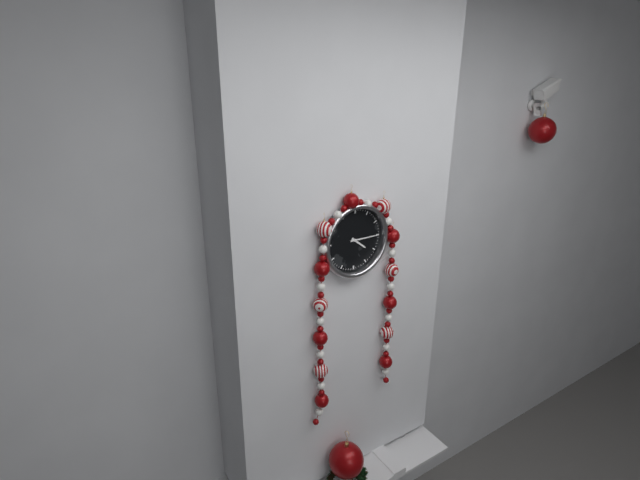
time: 4:15
